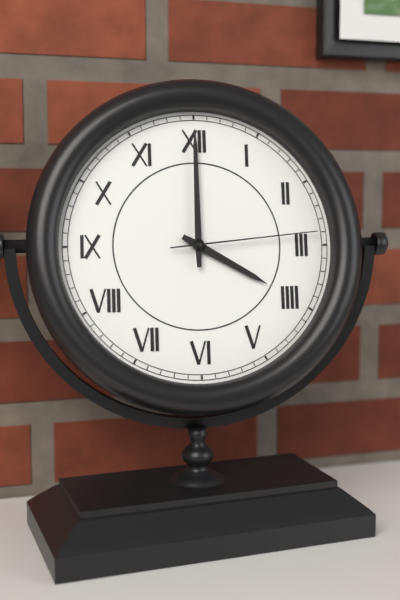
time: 4:00:14
